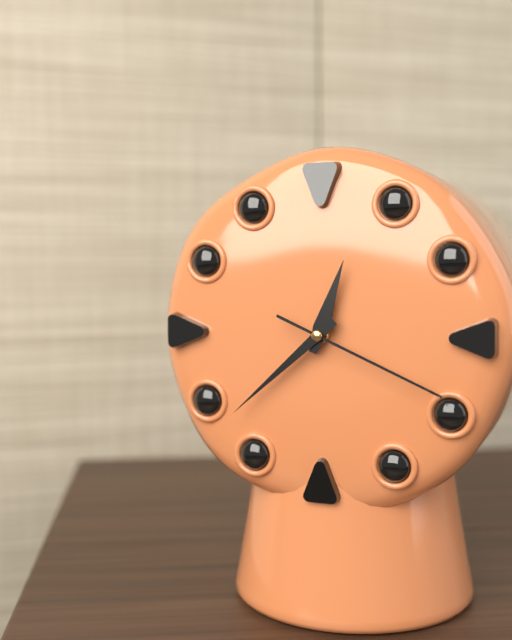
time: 12:38:19
